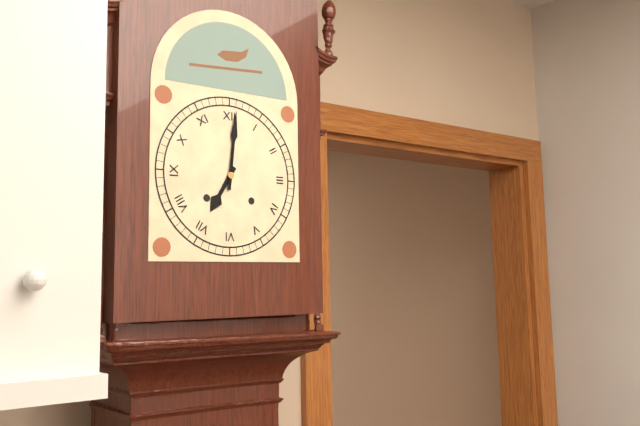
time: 7:01
